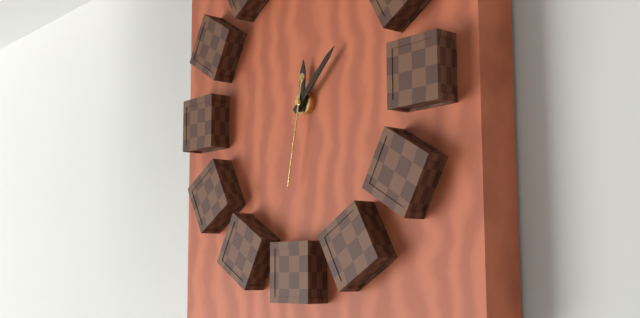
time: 12:08:32
